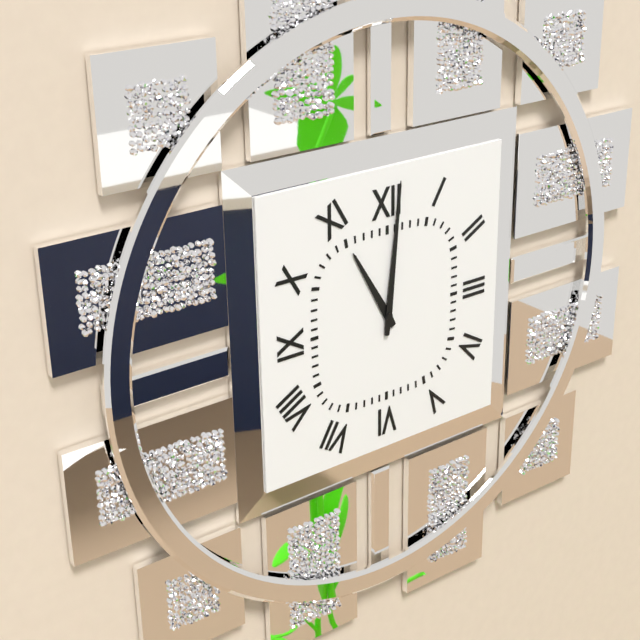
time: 11:01
